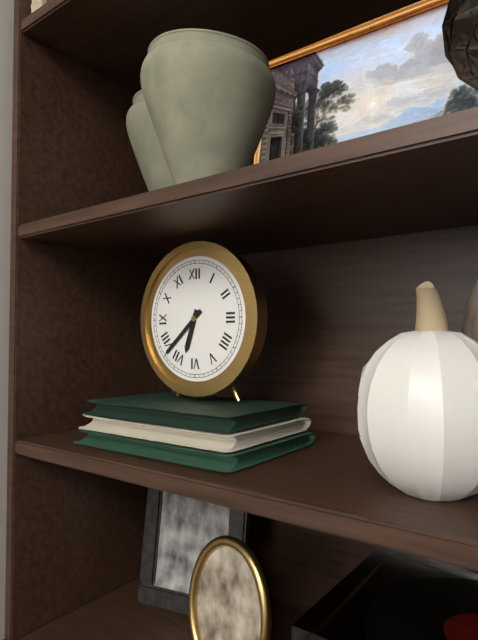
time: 6:38
